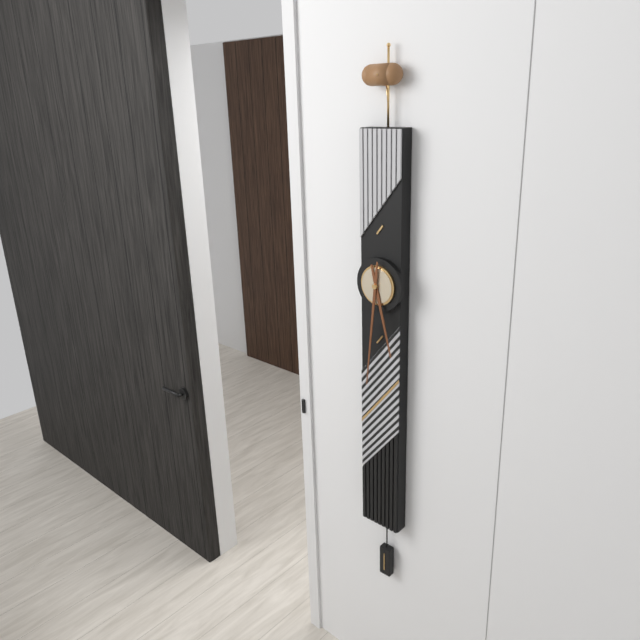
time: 5:31
